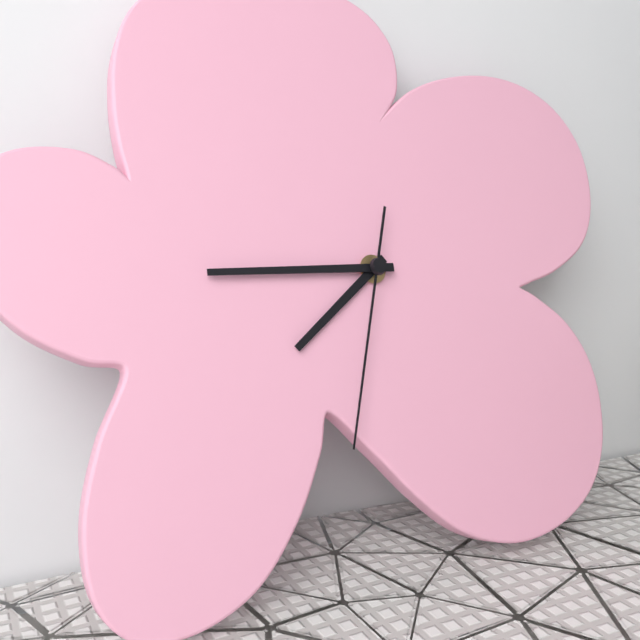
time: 7:45:33
